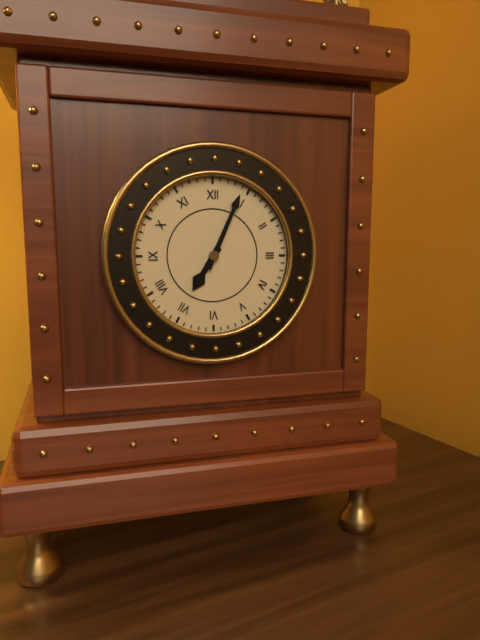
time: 7:04
